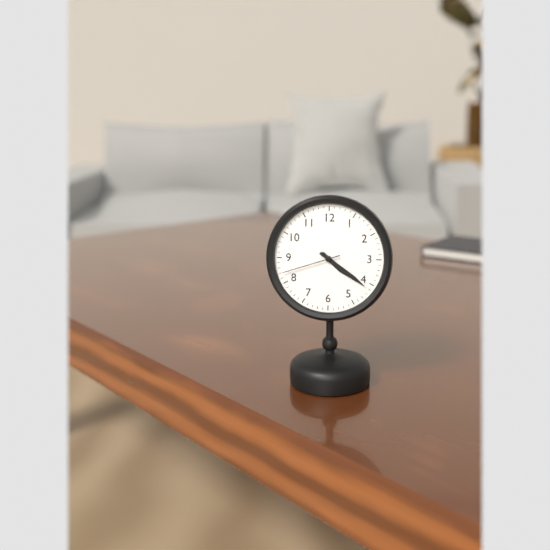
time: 4:21:42
